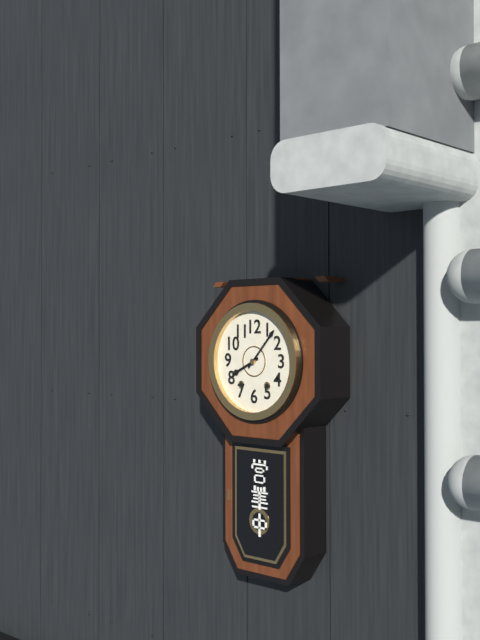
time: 8:07
